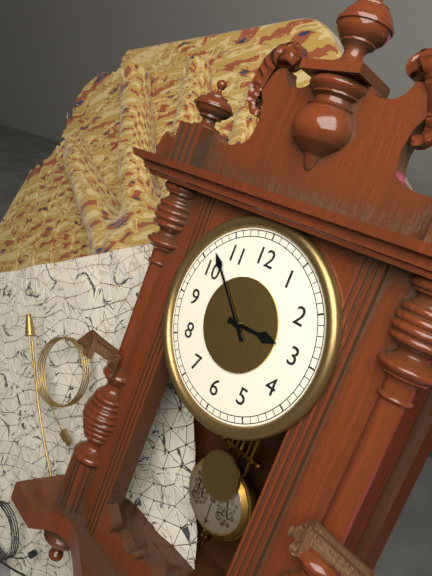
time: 2:52
